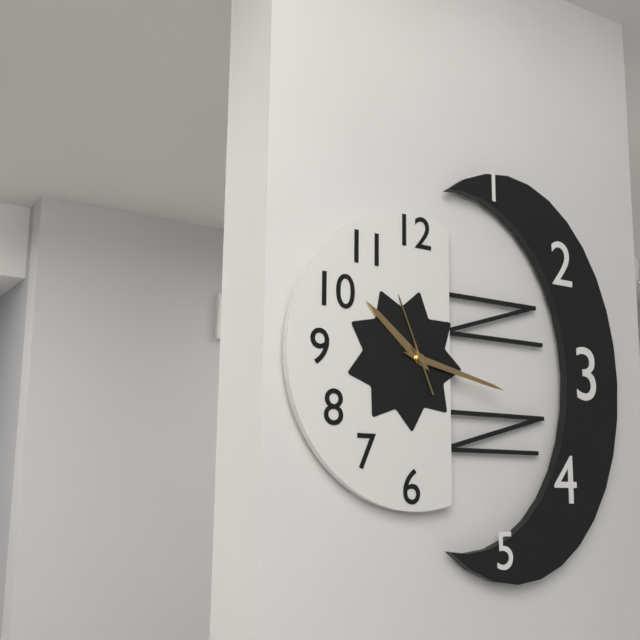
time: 10:17:56
